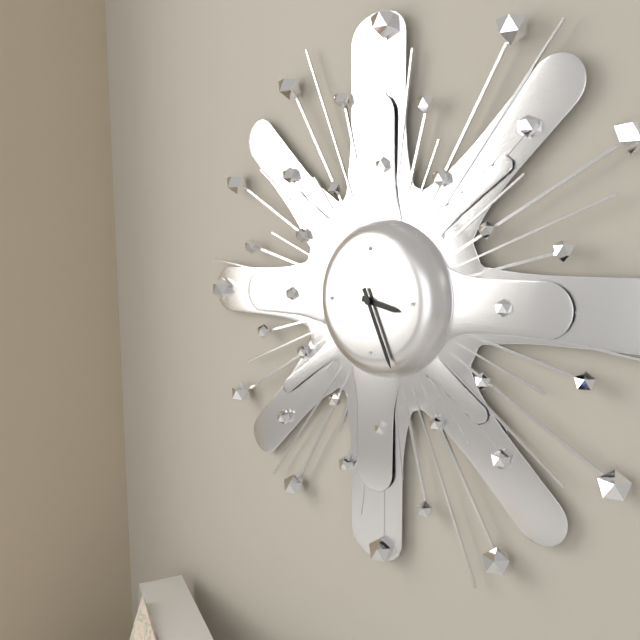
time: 3:26
